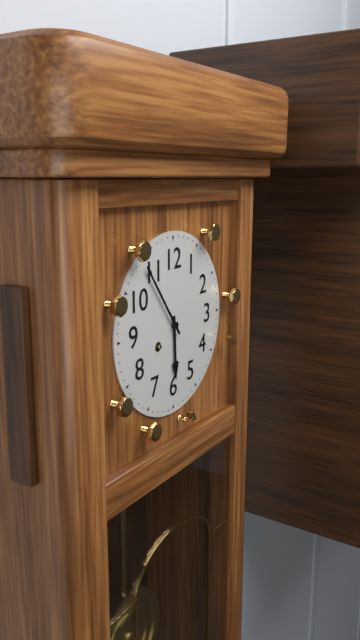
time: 5:54
